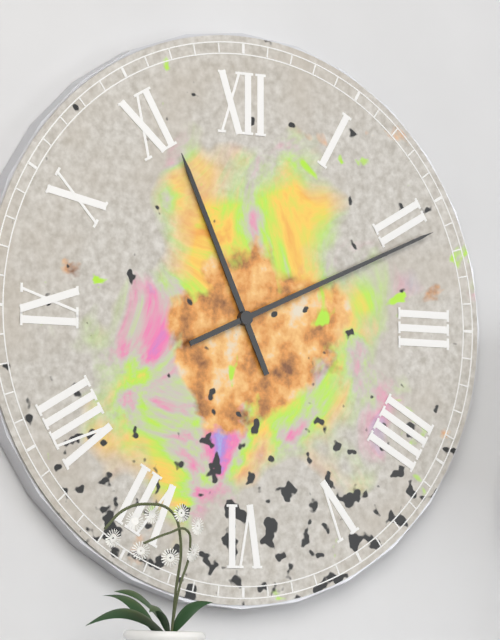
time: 11:11
